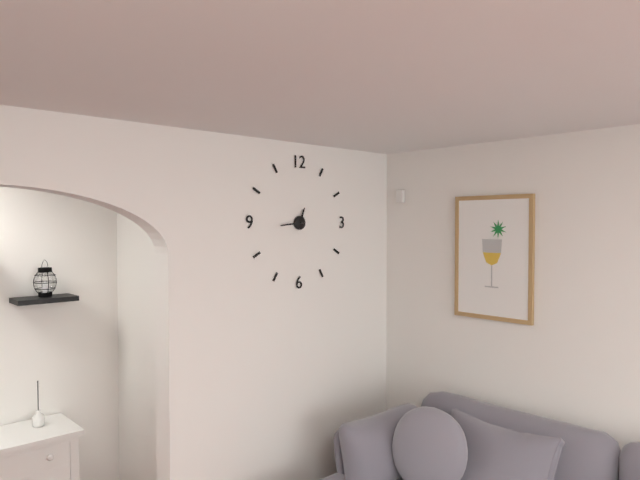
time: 12:44
